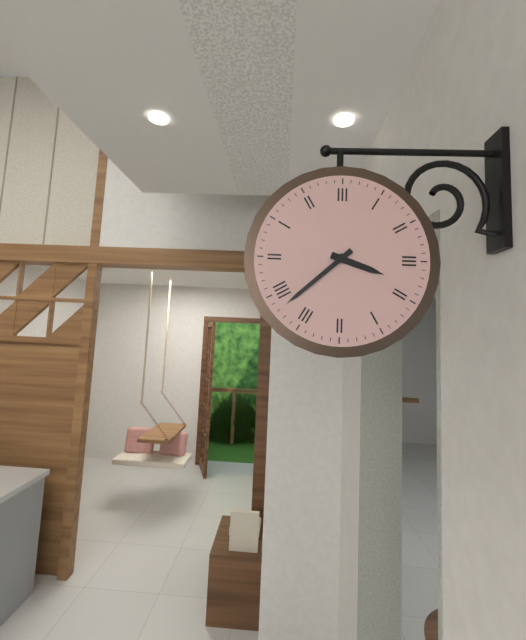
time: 3:38
